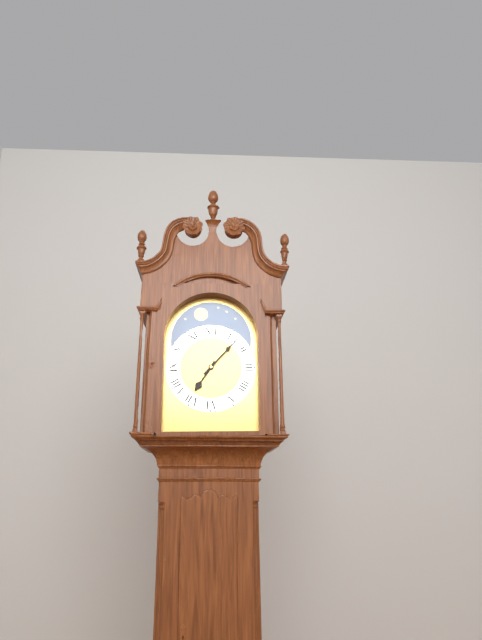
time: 7:07
